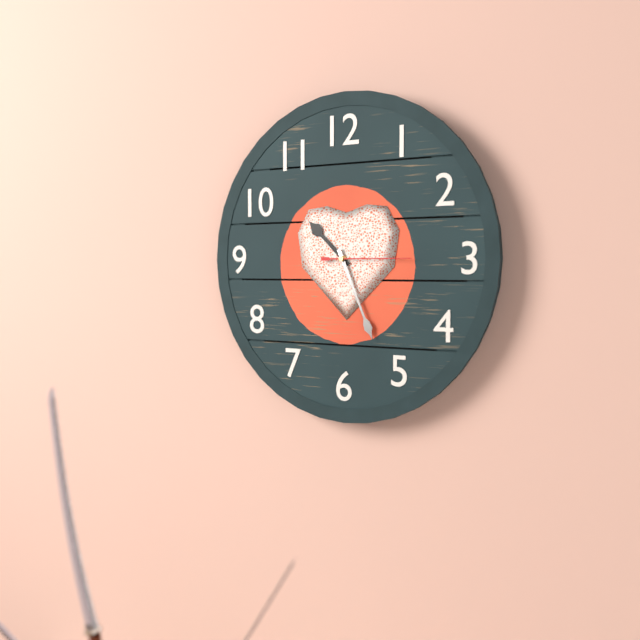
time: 10:26:15
